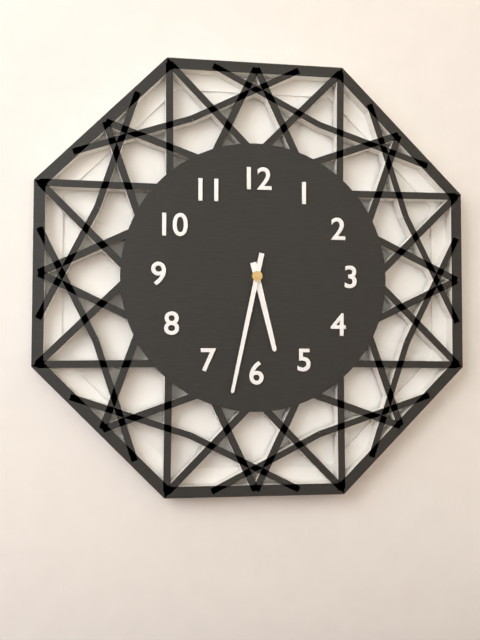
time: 5:32
